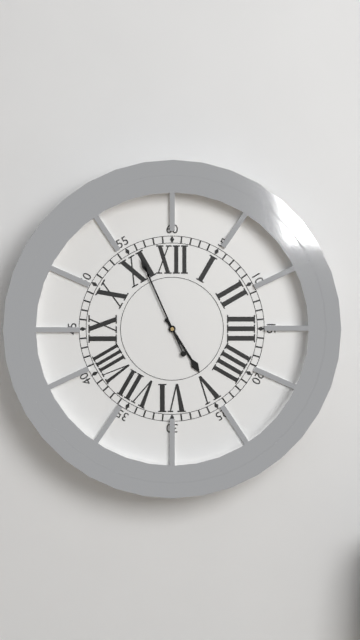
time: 4:56
